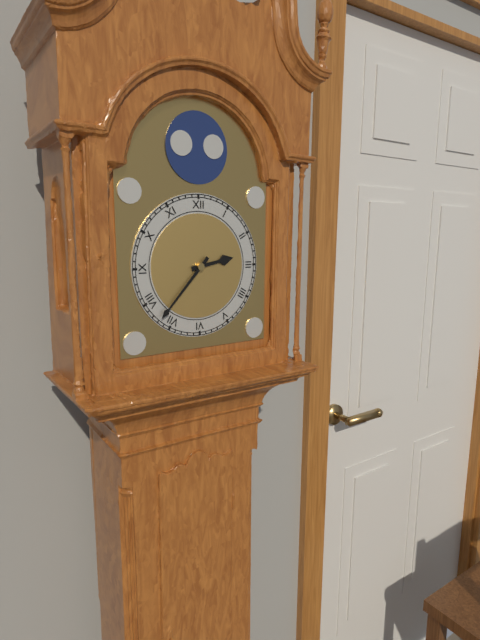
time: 2:37
